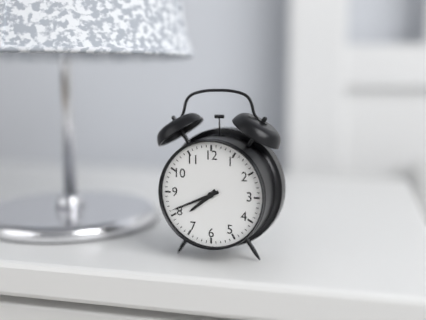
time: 7:41
